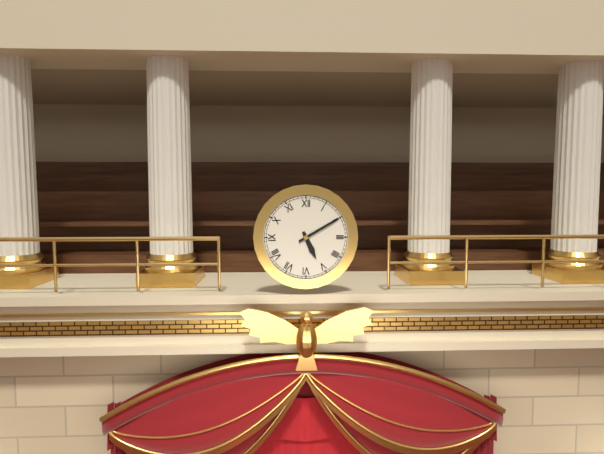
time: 5:10
